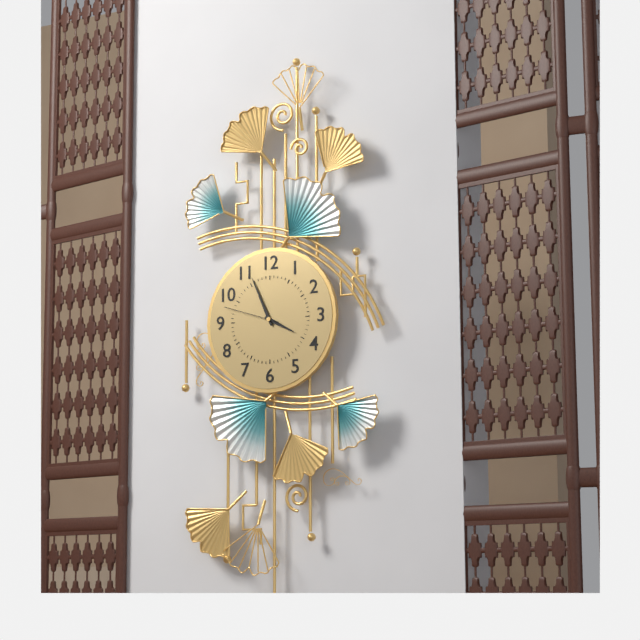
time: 3:56:48
